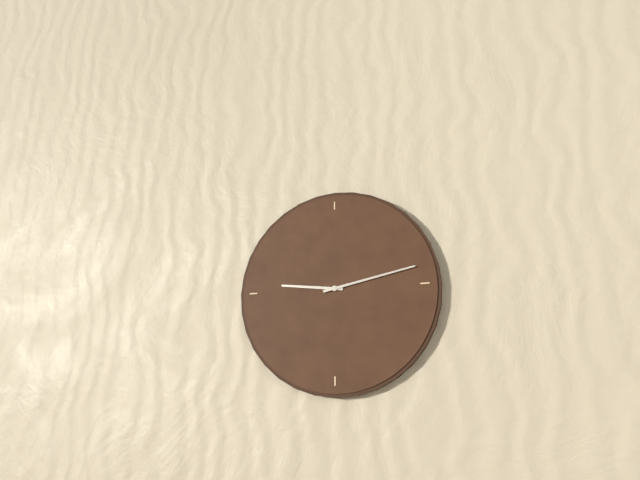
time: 9:13
